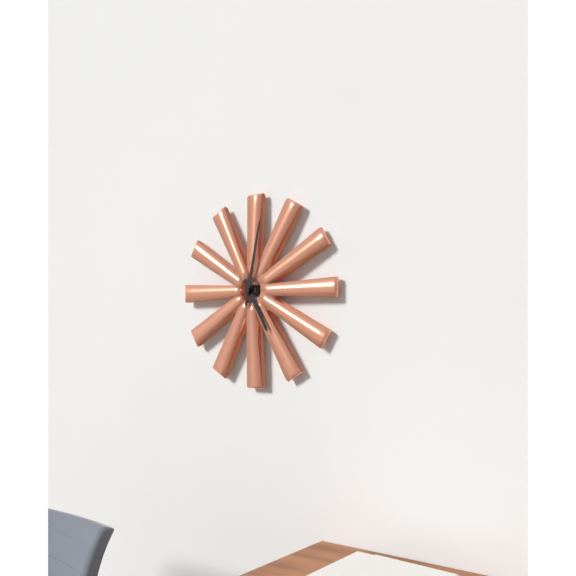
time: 5:02
